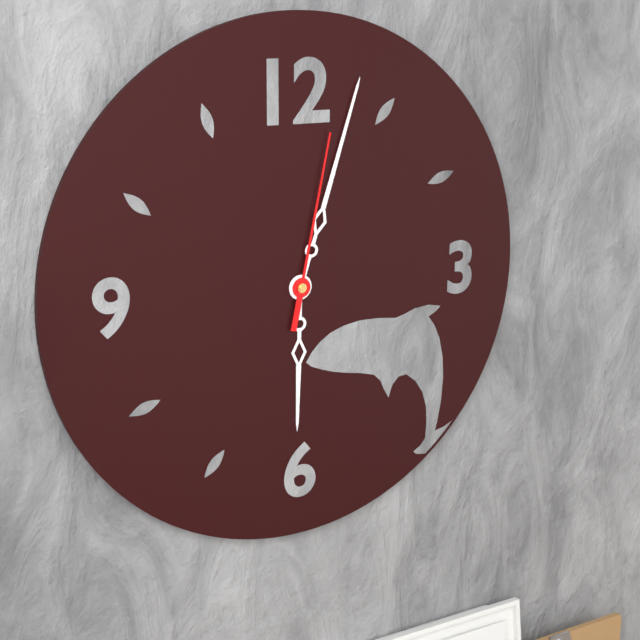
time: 6:03:02
